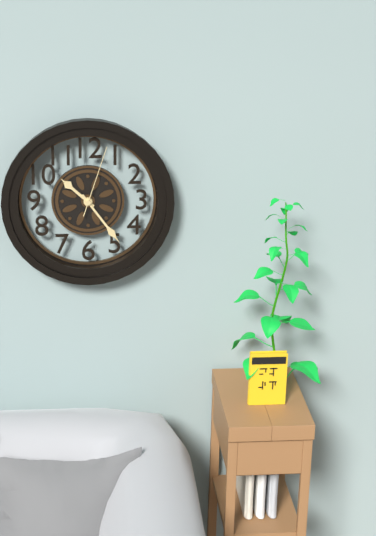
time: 10:24:03
